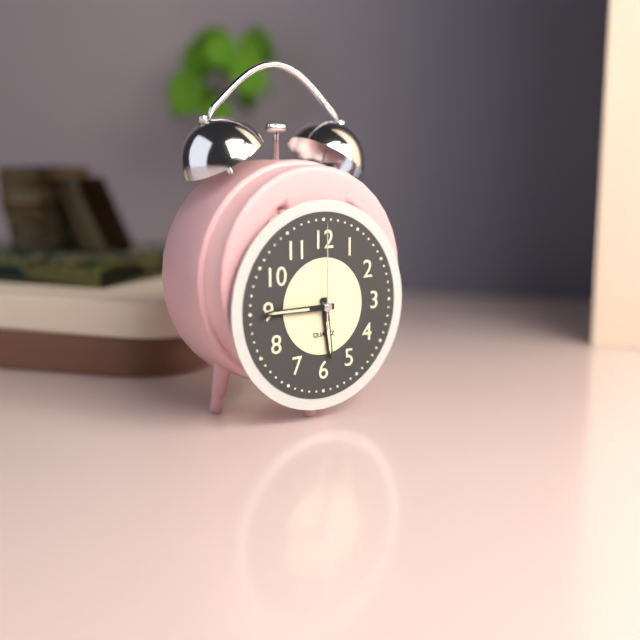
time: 5:45:00
